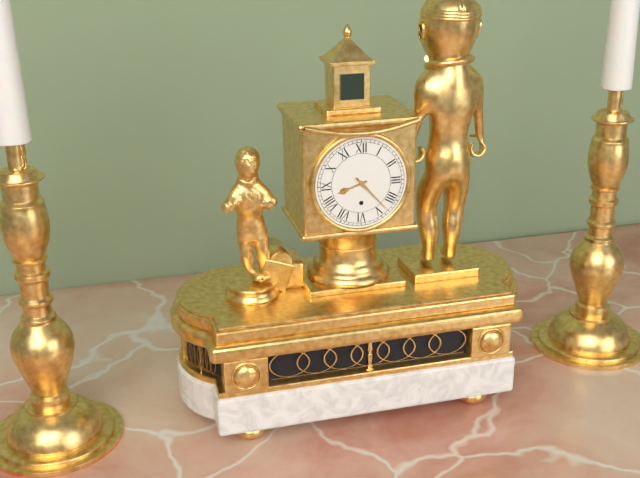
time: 8:23
